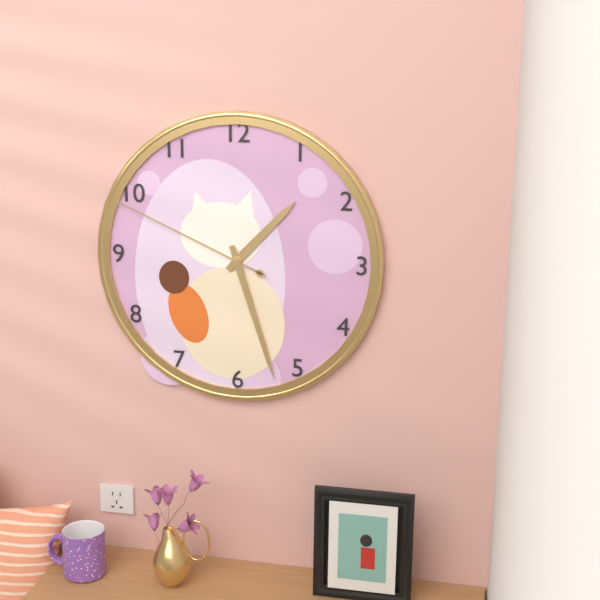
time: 1:27:49
